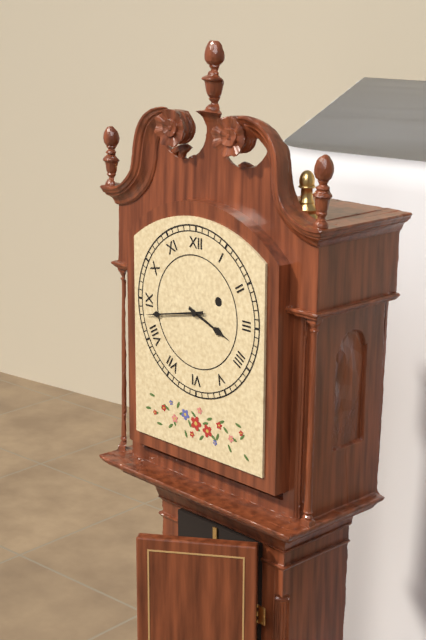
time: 3:43
